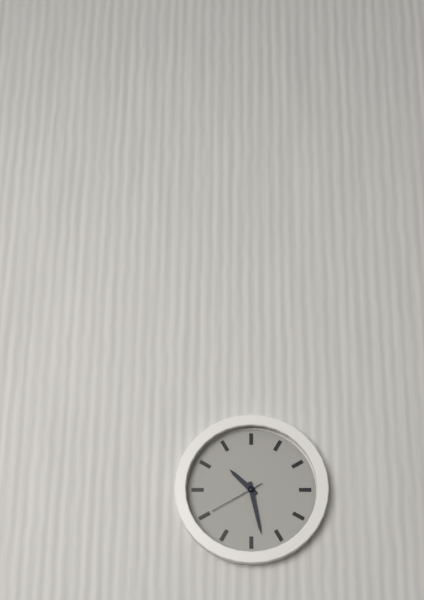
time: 10:28:40
